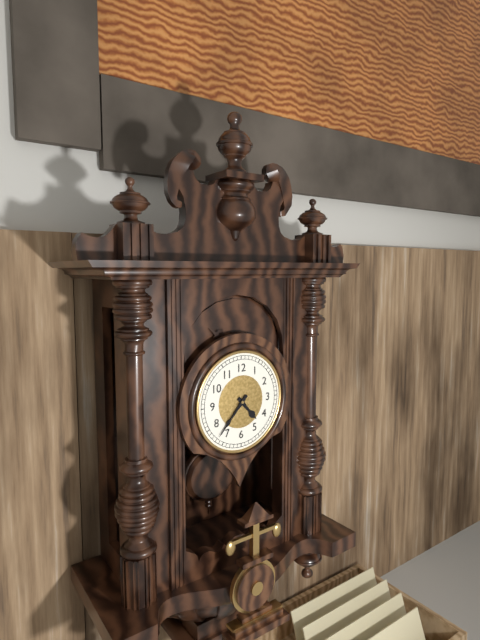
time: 4:37
